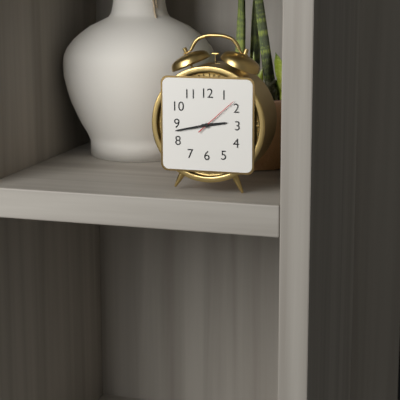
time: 2:43
